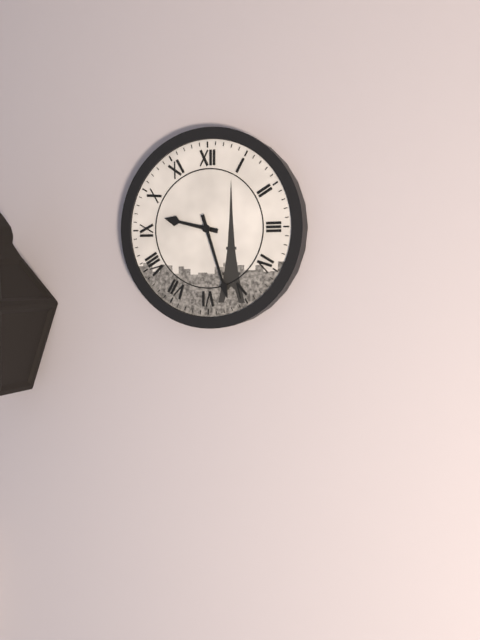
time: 9:27
